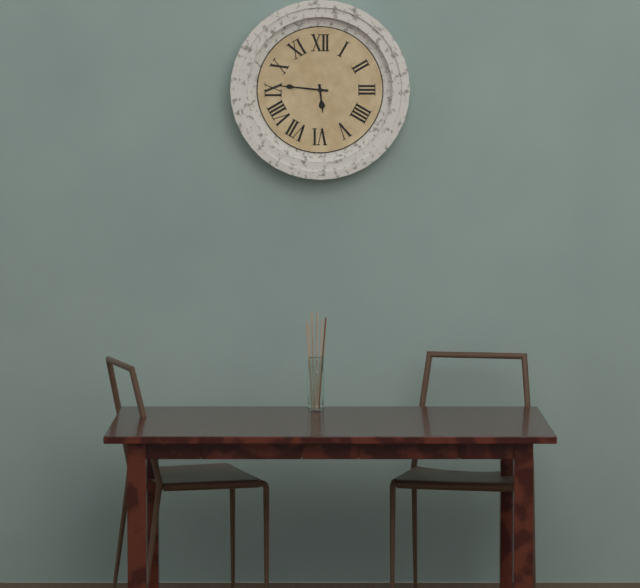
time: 5:46
